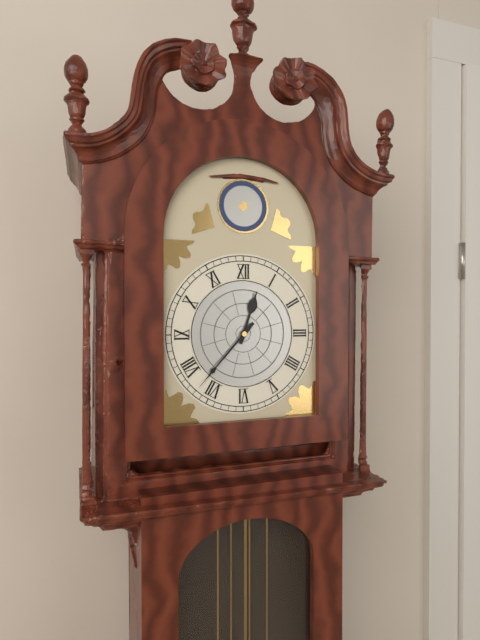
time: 12:37
